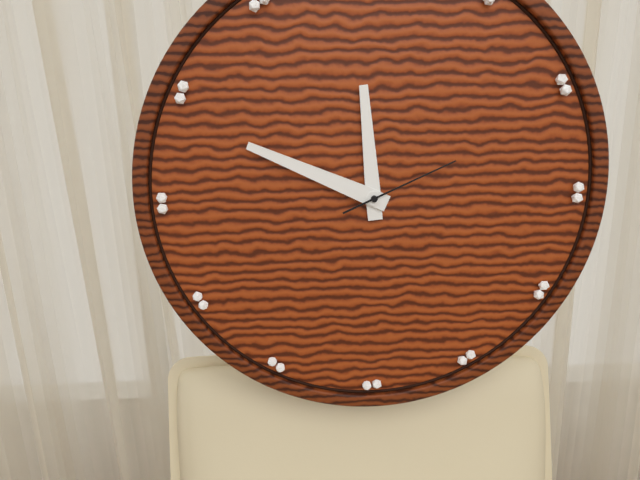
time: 11:49:11
